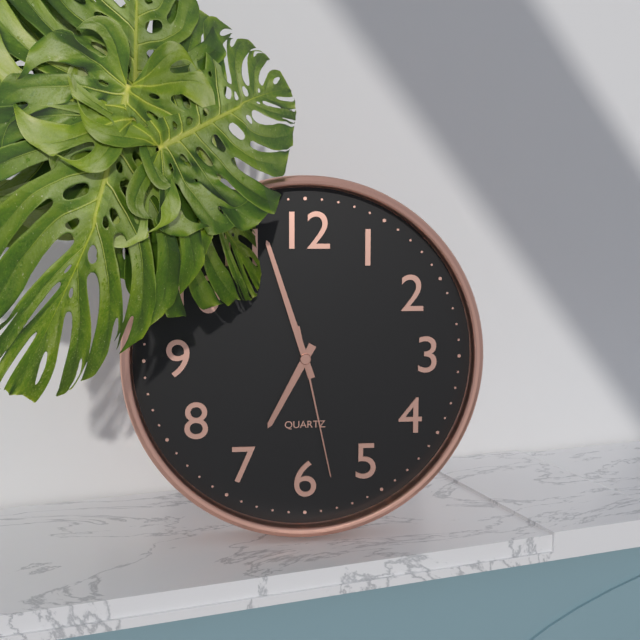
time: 6:57:28
